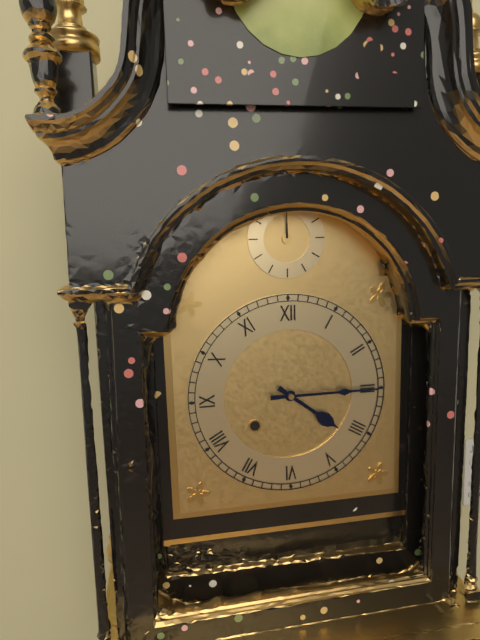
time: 4:15
